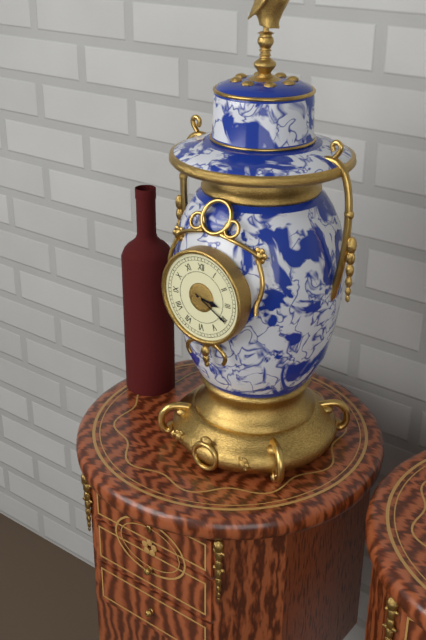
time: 3:20
